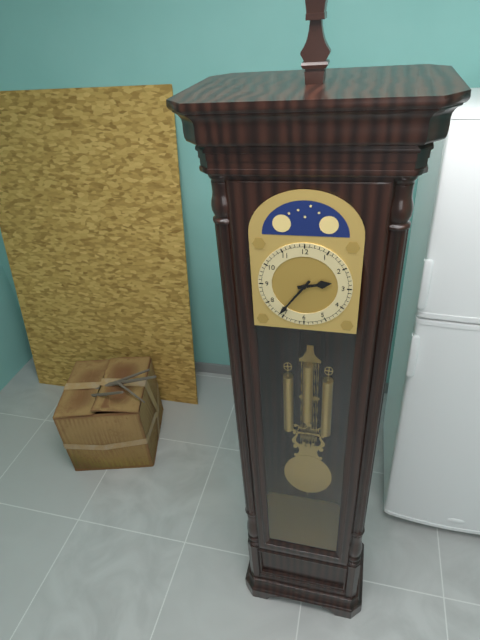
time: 2:36
